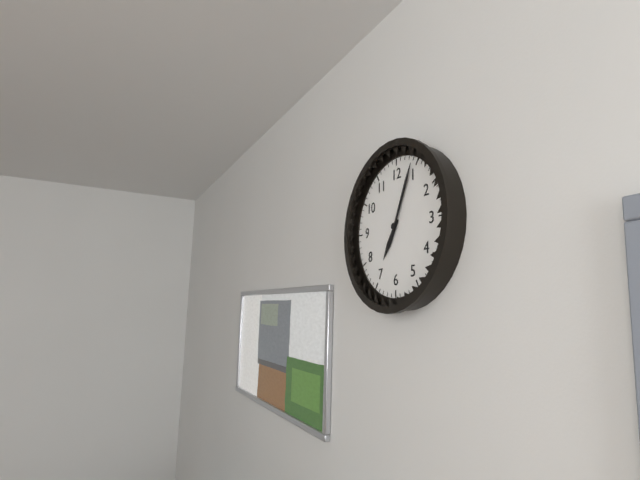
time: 7:04
